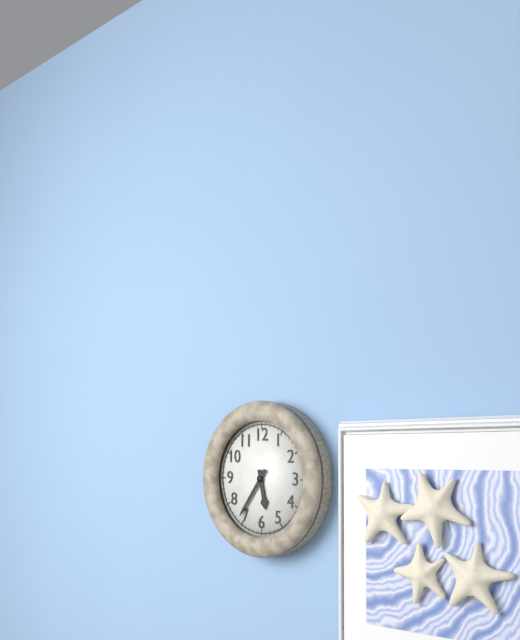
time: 5:36
